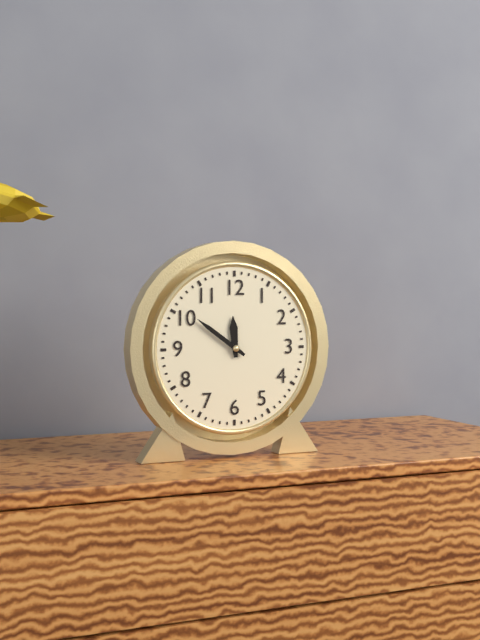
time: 11:51
